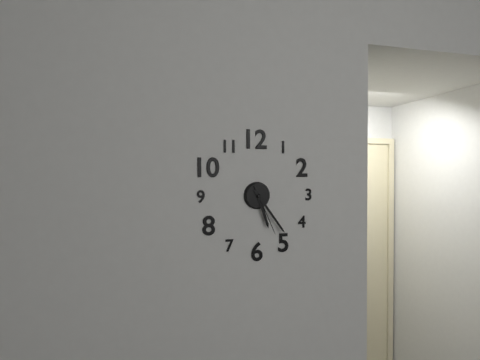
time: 5:24:26
